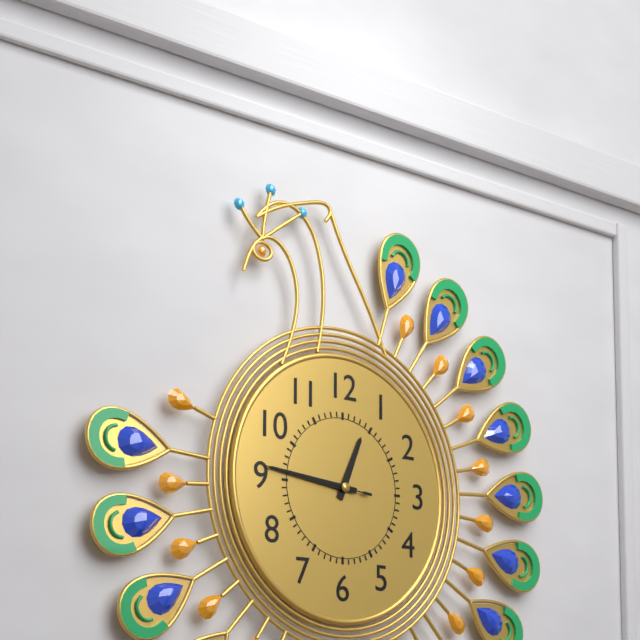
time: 12:46:46
